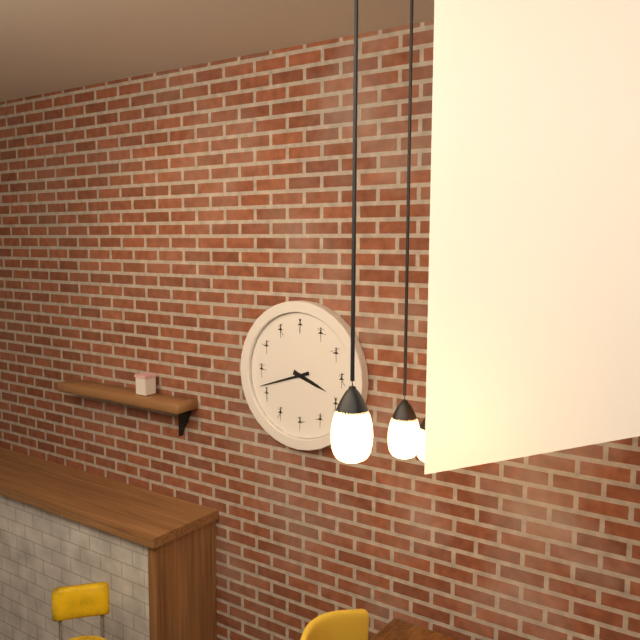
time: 3:42
